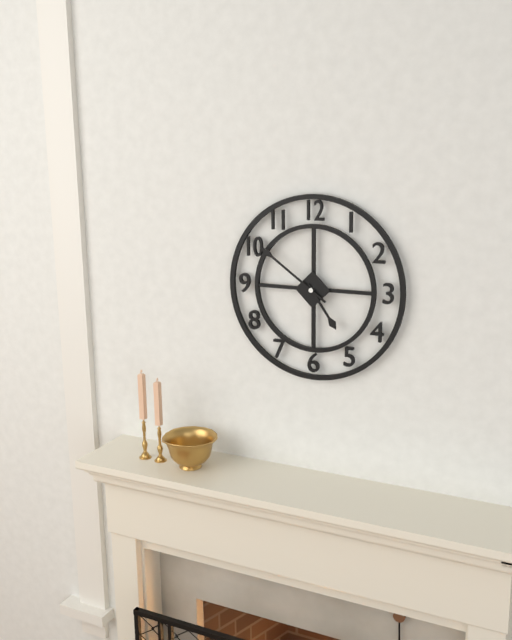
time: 4:51
